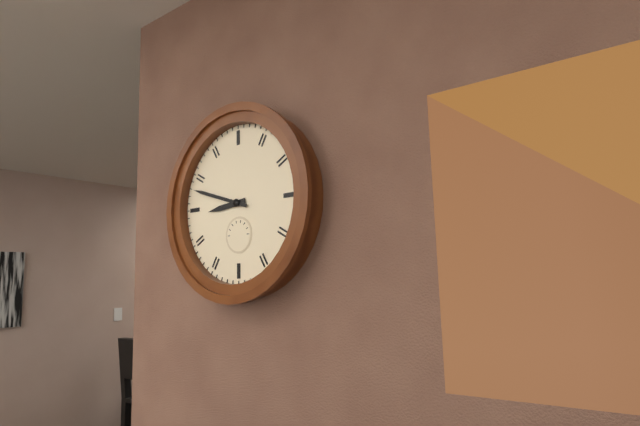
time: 8:48
